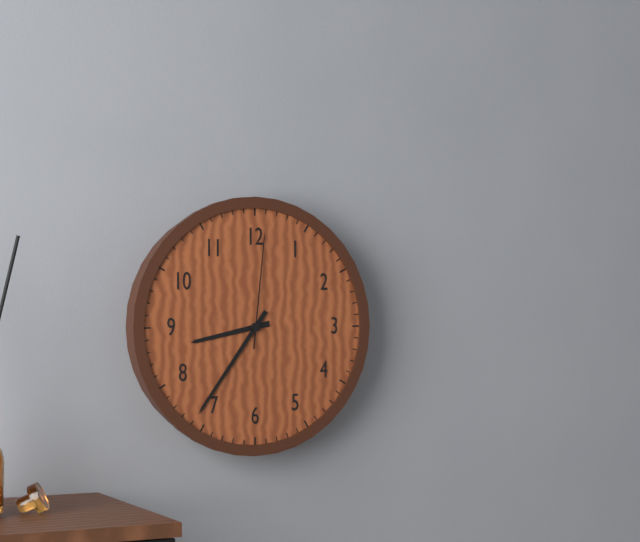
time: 8:36:01
